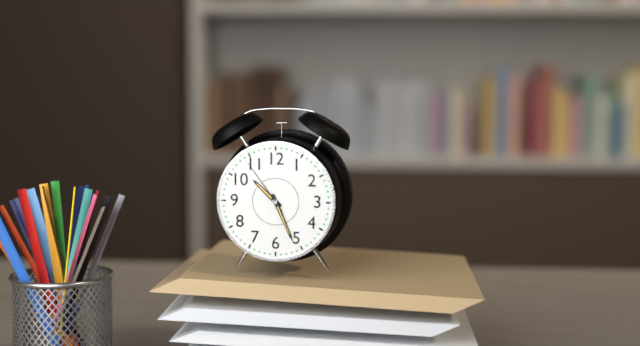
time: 10:26:54
